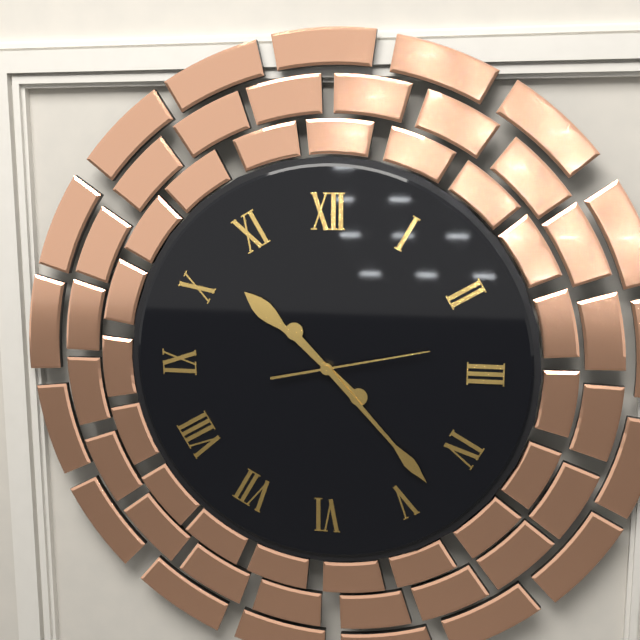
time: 10:23:13
